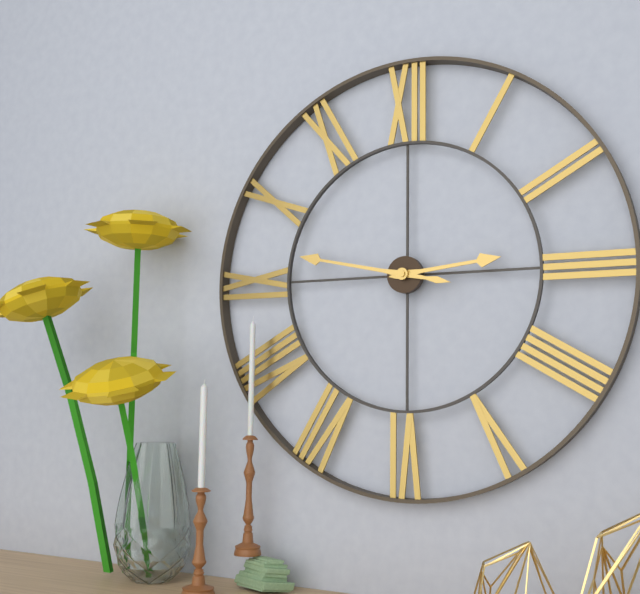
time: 2:47
